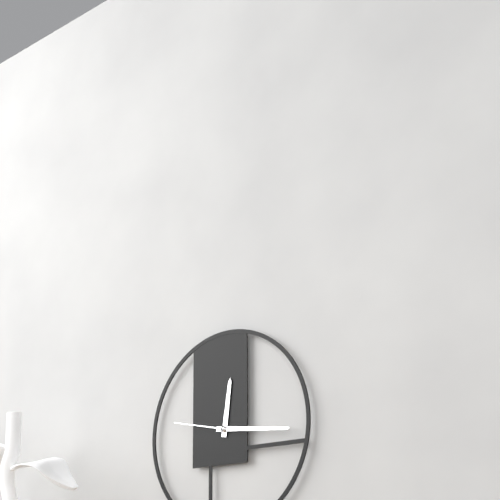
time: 12:16:47
